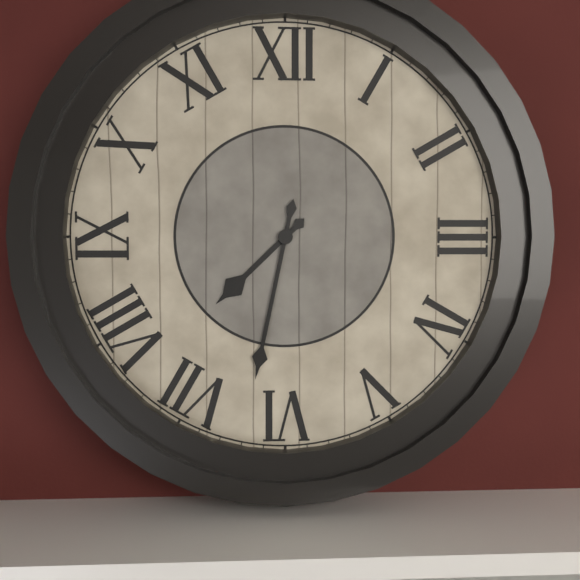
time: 7:32
